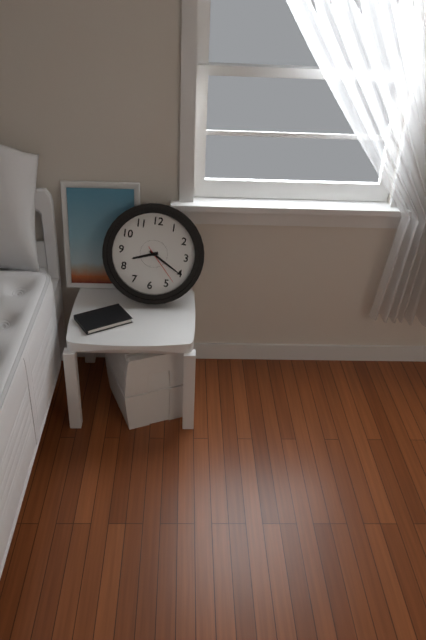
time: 8:20
